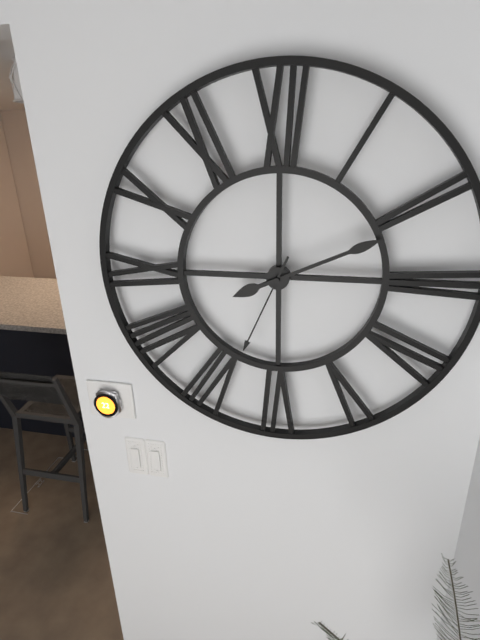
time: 8:11:34
